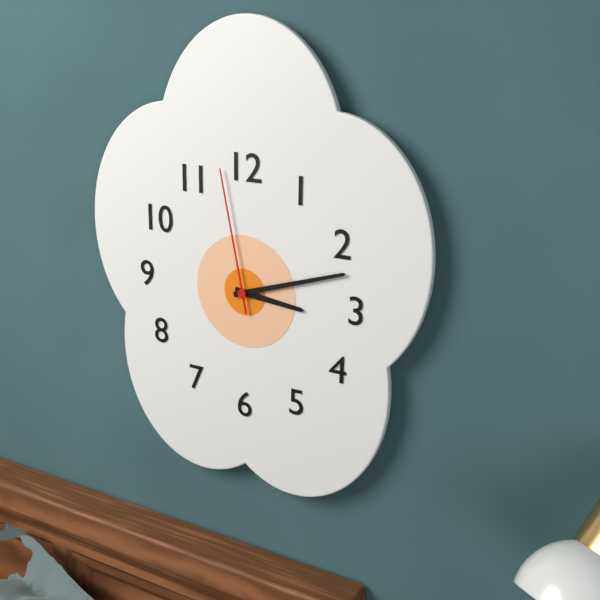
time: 3:12:58
